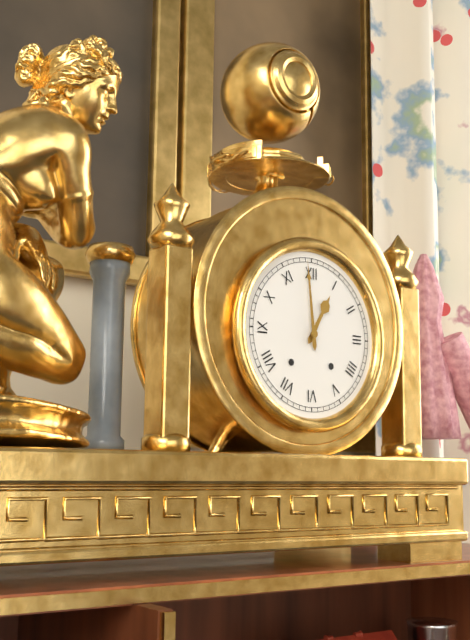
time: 12:59
